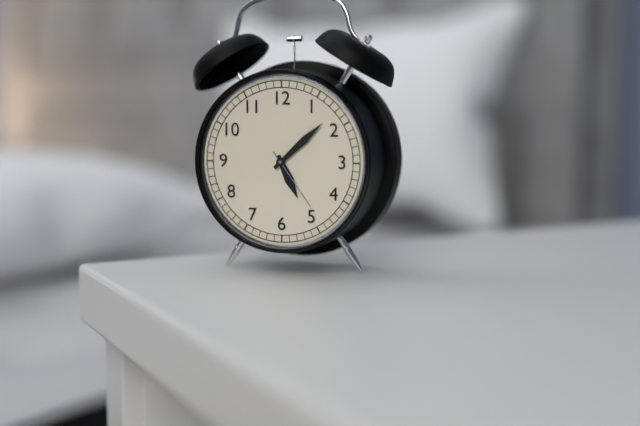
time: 5:08:24
